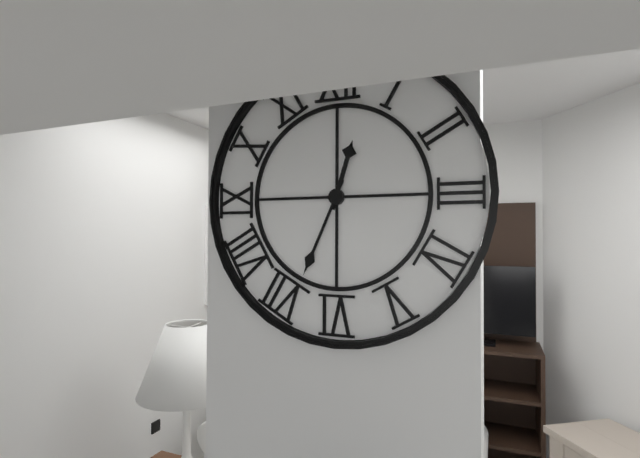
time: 12:34
